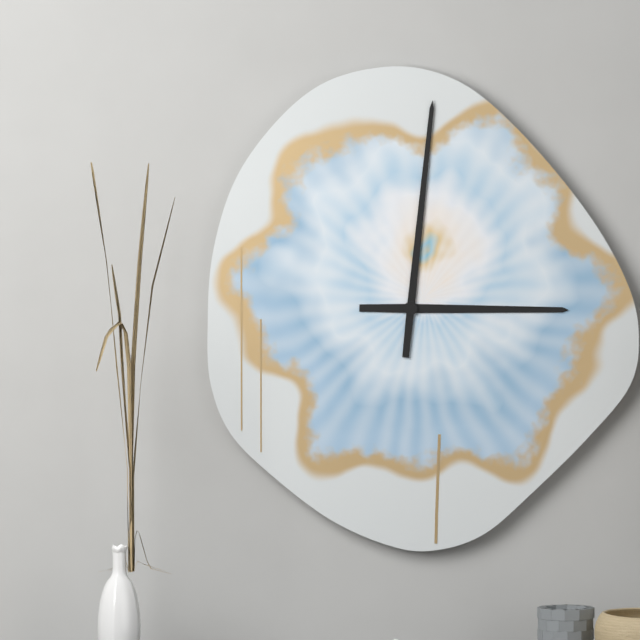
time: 3:01
